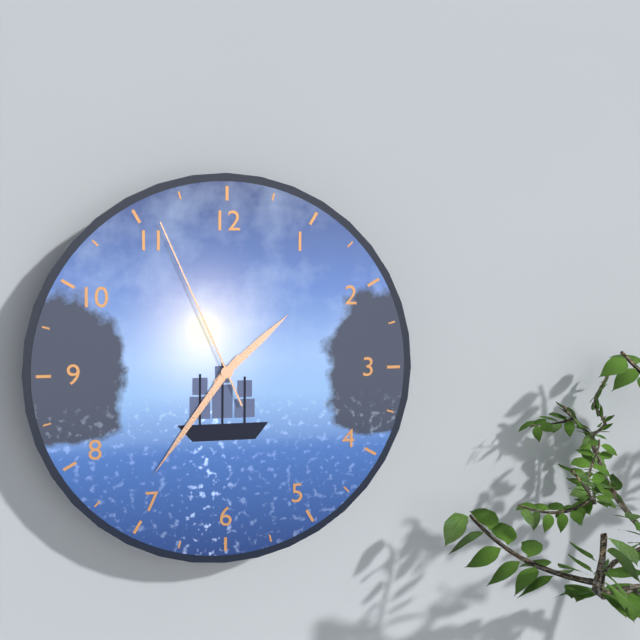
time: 1:36:56
